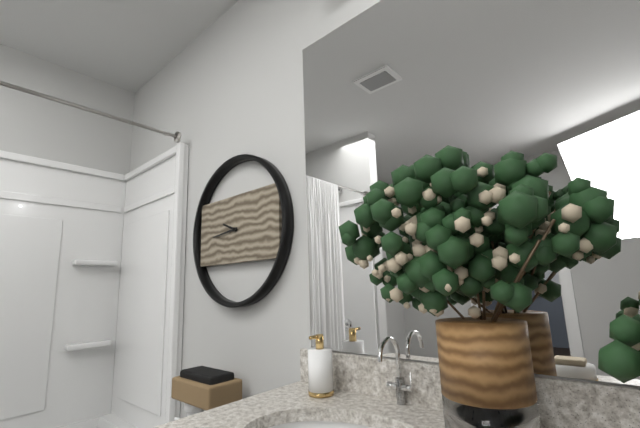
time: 9:44
